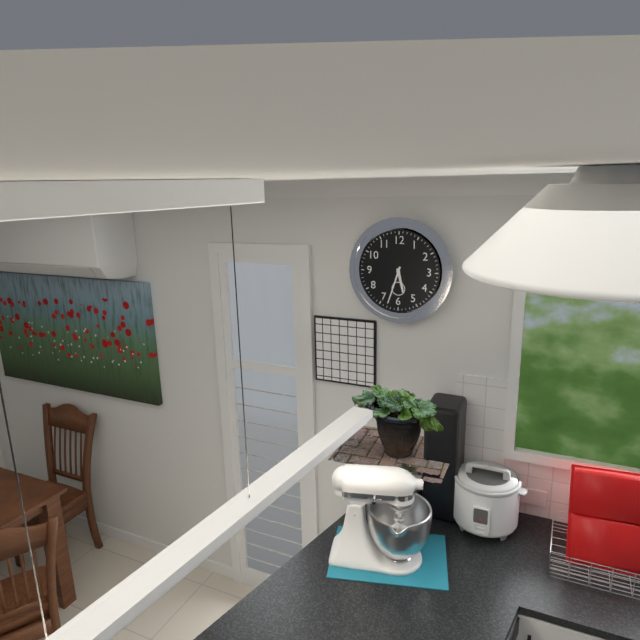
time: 5:33
